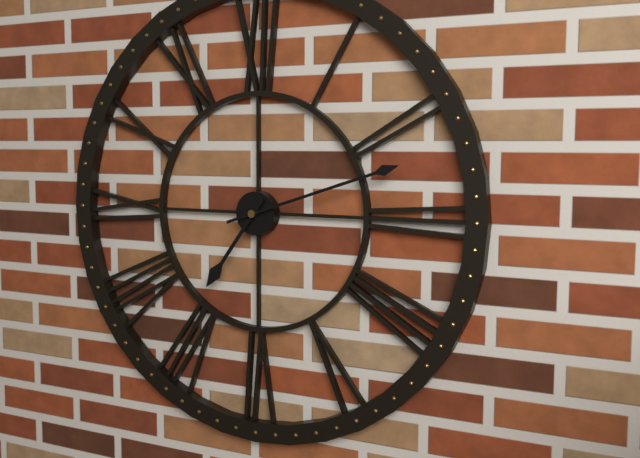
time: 7:12
